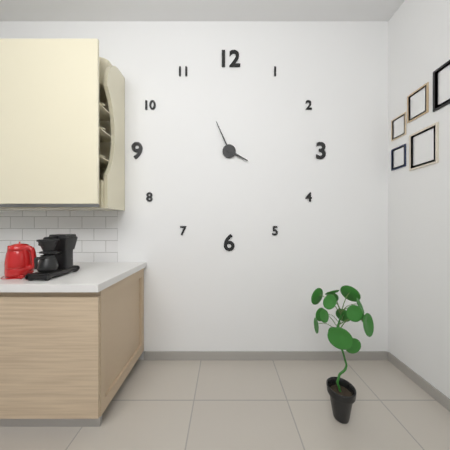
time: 3:56
